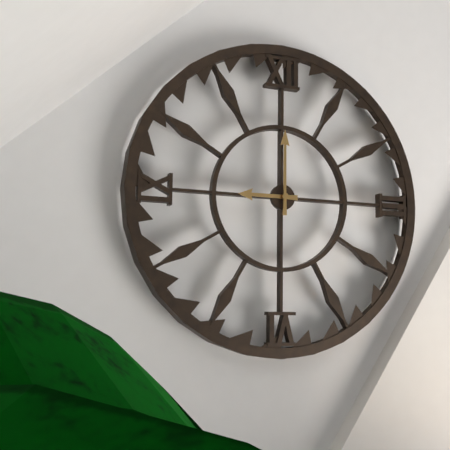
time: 9:00
